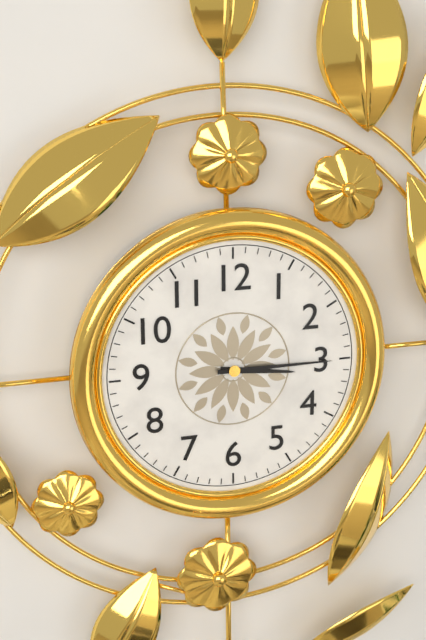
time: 3:15
